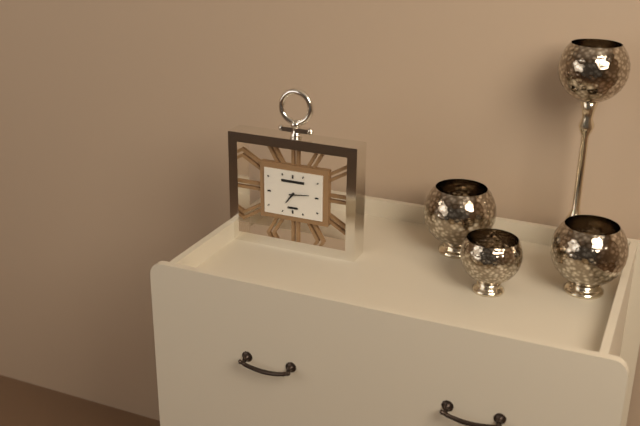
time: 7:14
